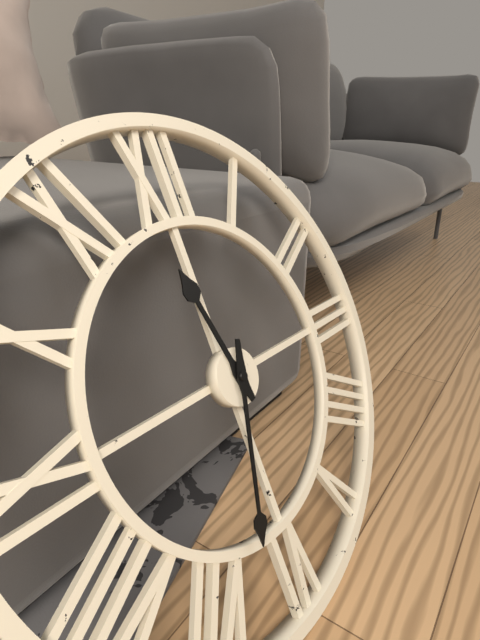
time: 11:33
